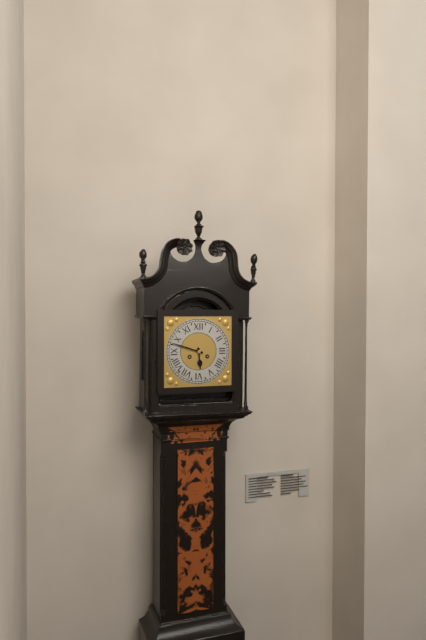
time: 5:48
